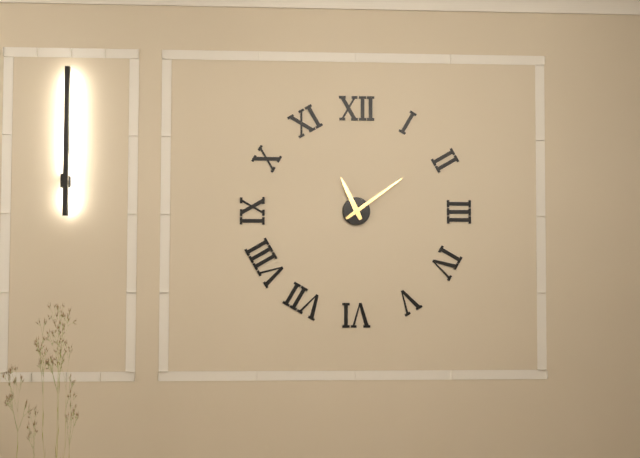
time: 11:09
